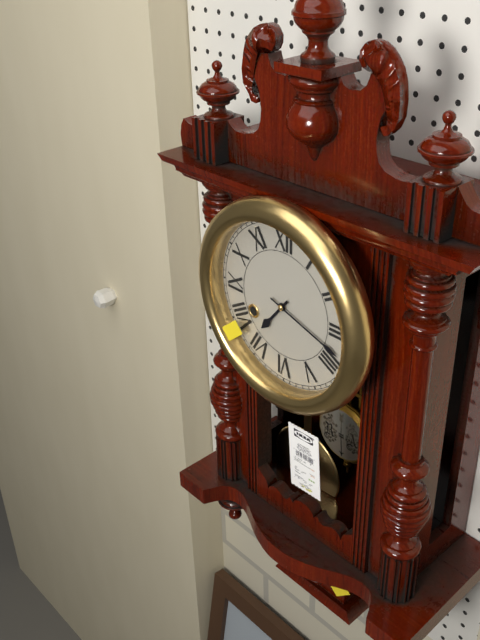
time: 7:18
